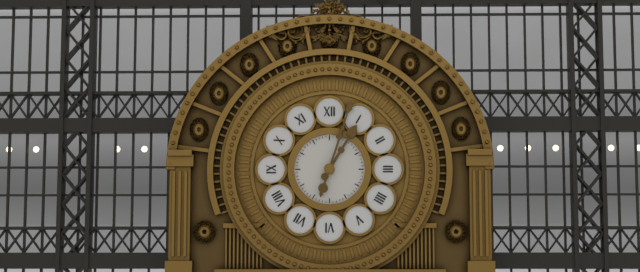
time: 1:03
